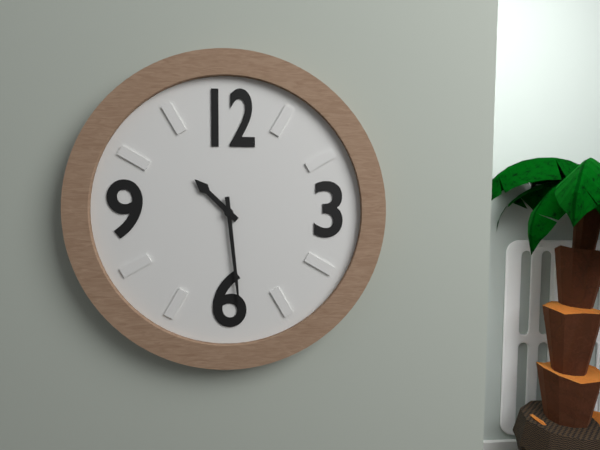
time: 10:29
